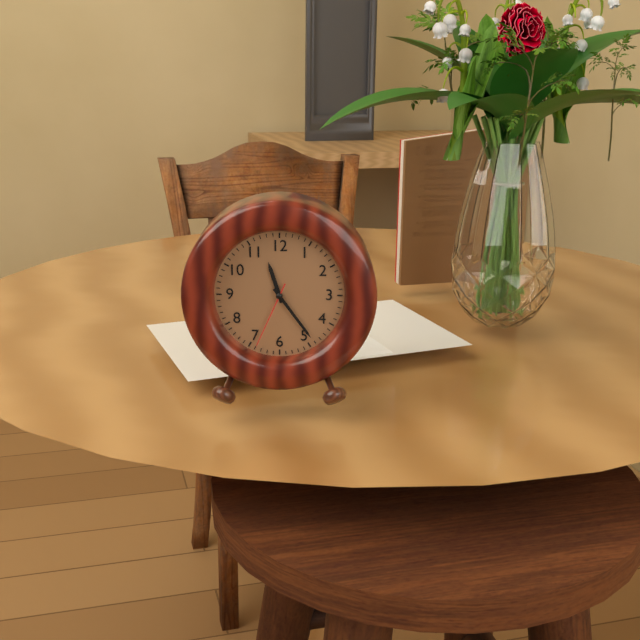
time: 11:24:34
